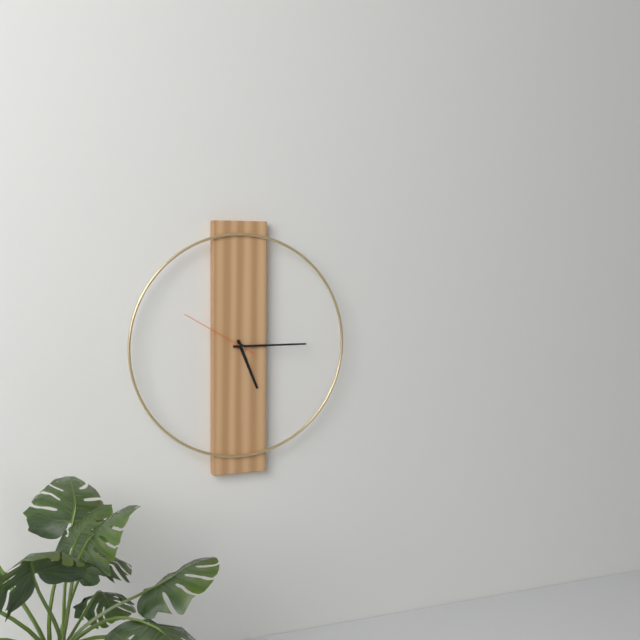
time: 5:15:50
